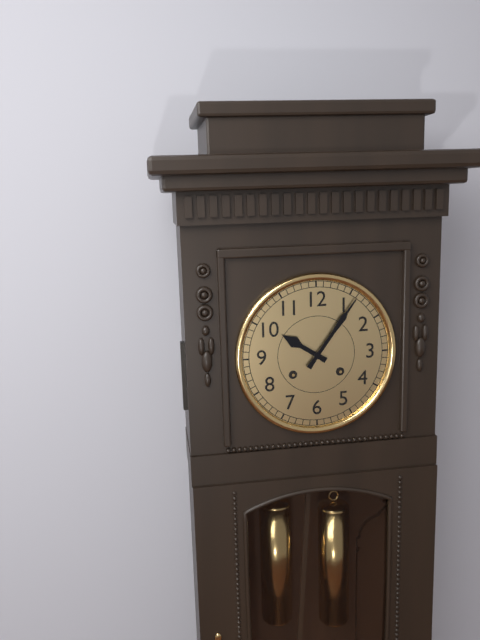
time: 10:06
